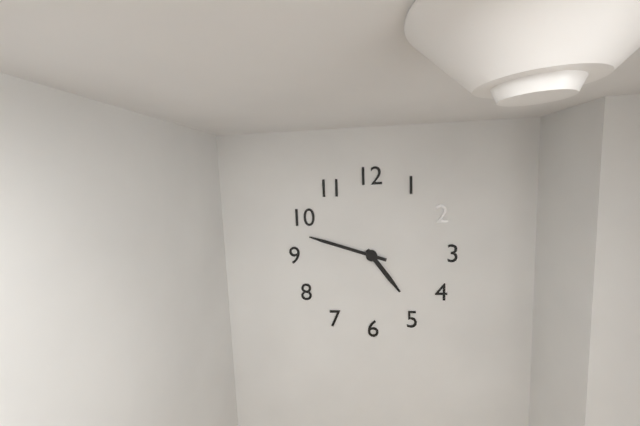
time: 4:48
